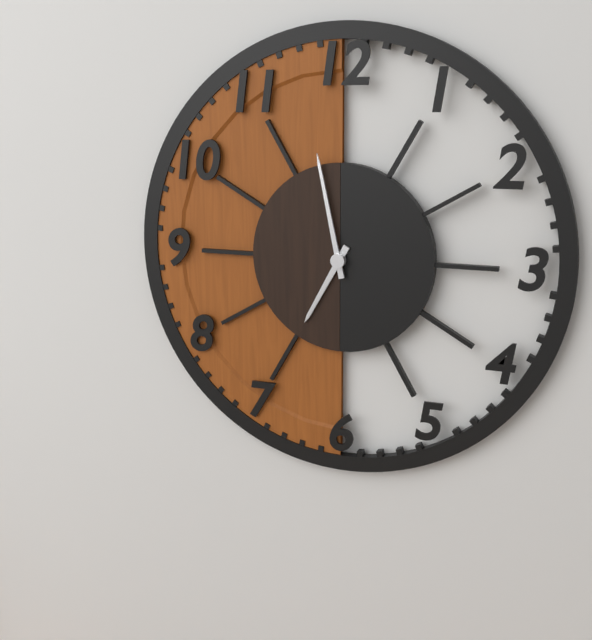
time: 6:58
